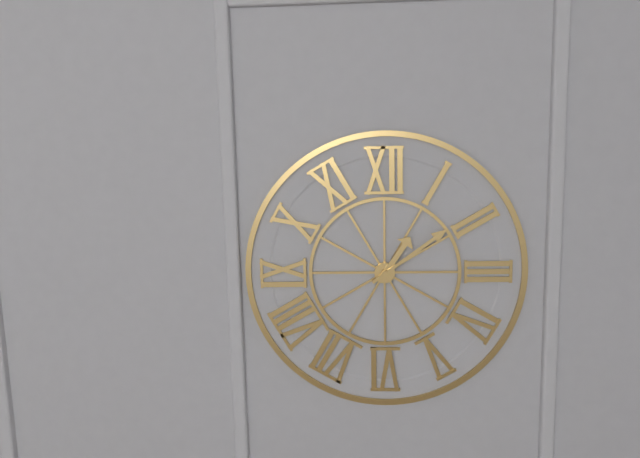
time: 1:09
